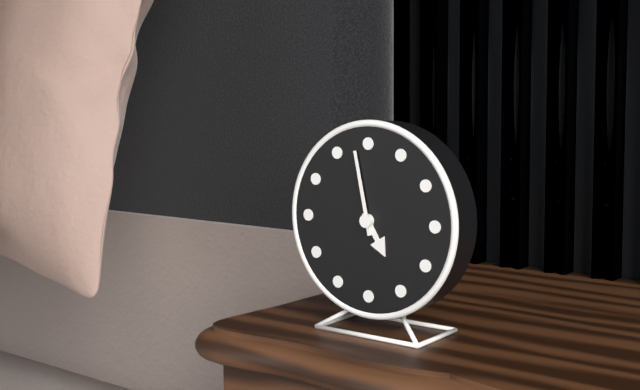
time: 4:58
